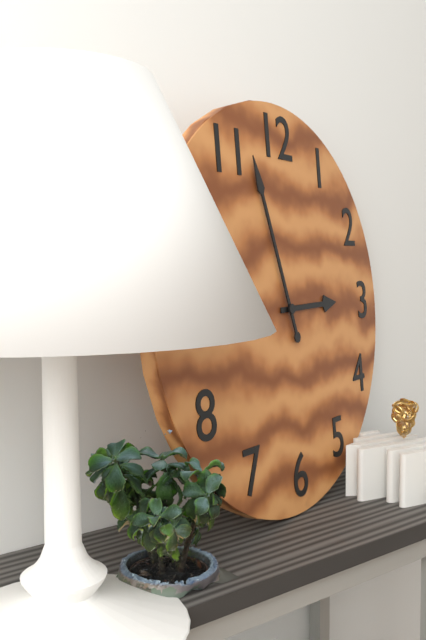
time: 2:57
